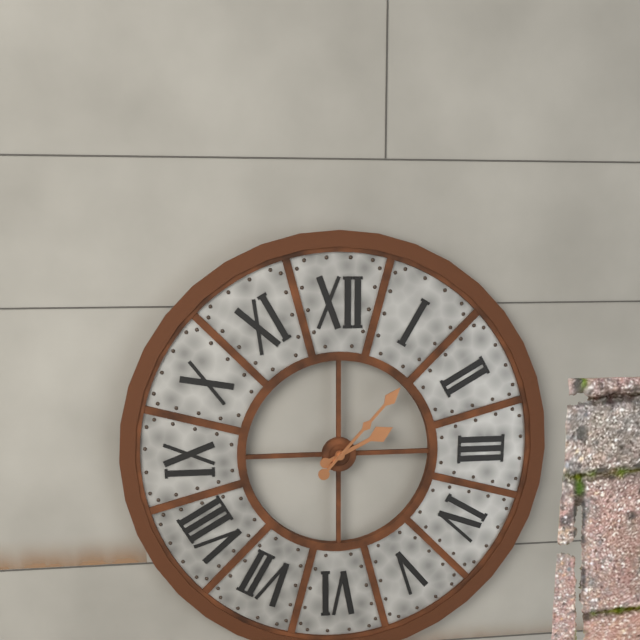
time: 2:07
